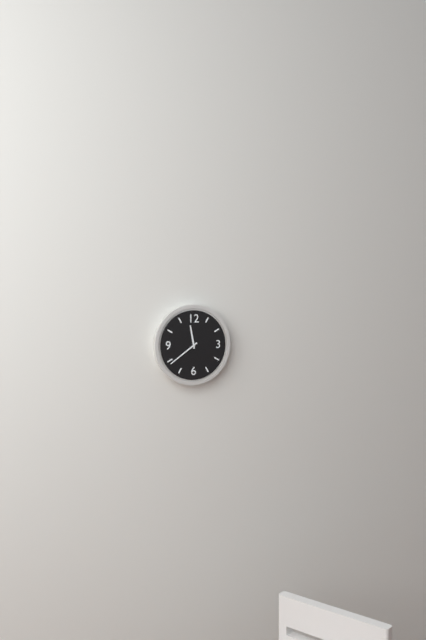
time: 11:39
